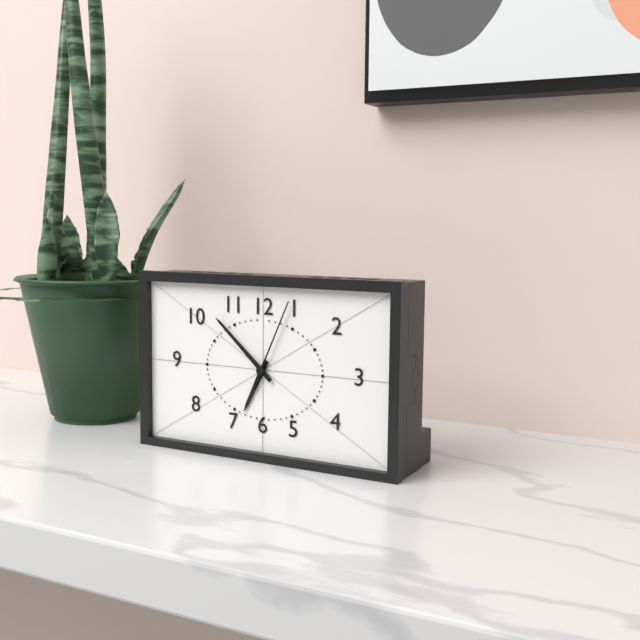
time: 6:52:04
